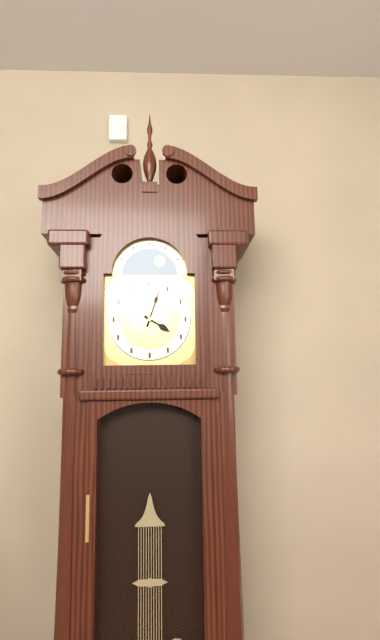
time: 4:03
